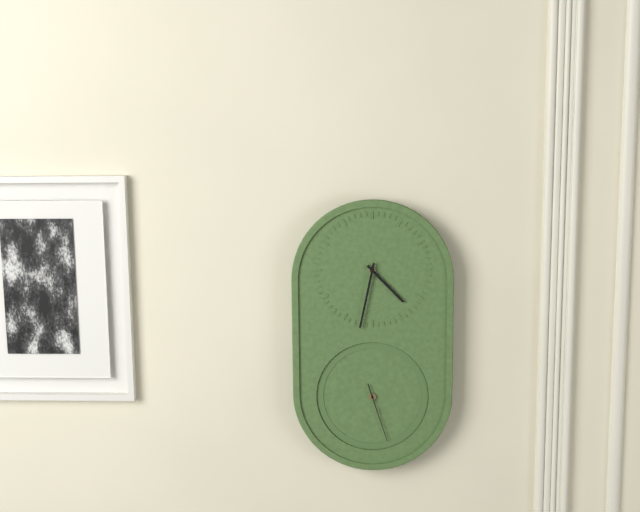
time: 4:32:27
